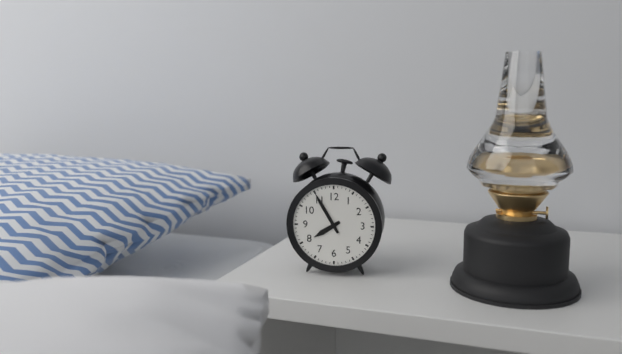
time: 7:55
